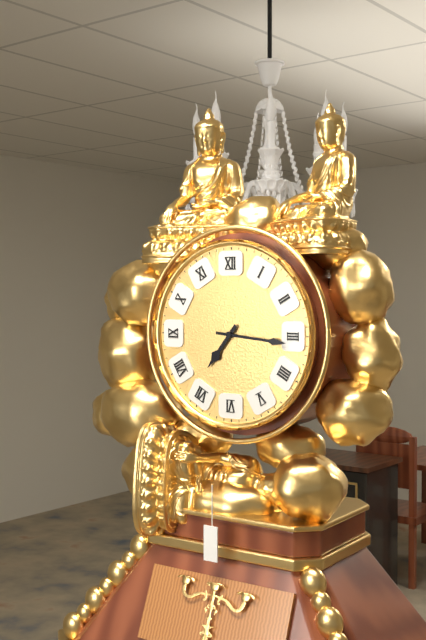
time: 7:16
